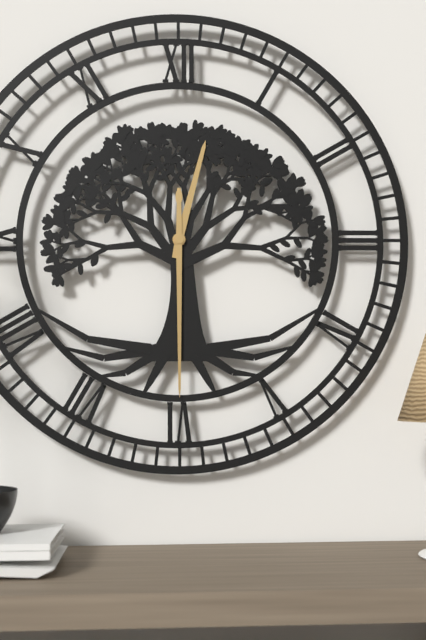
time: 12:30
